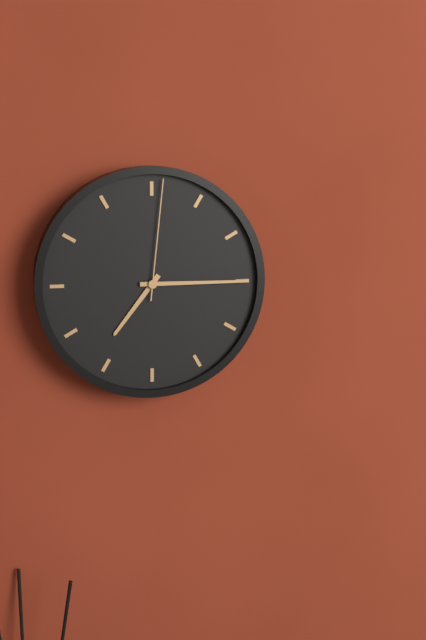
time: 7:15:01
